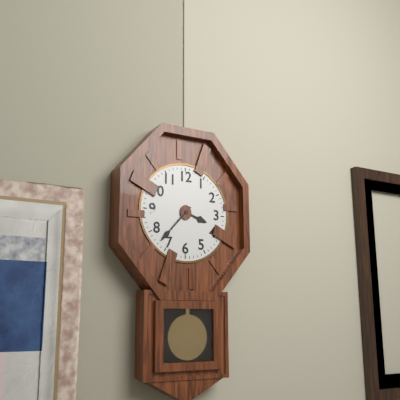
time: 3:37
